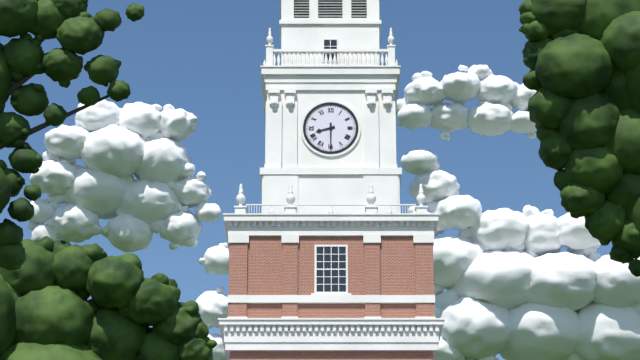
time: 8:30
